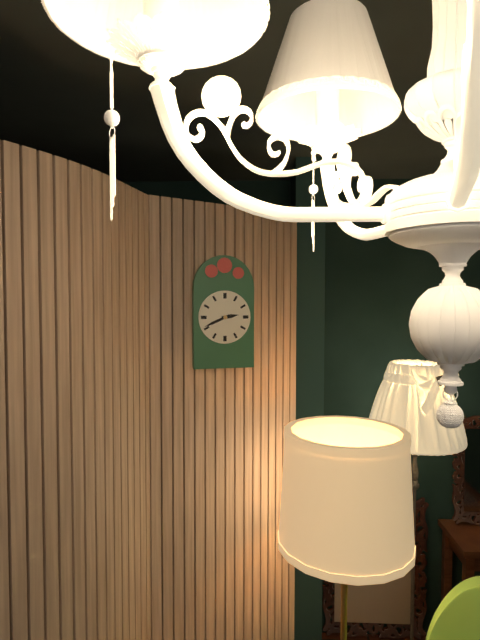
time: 2:41
